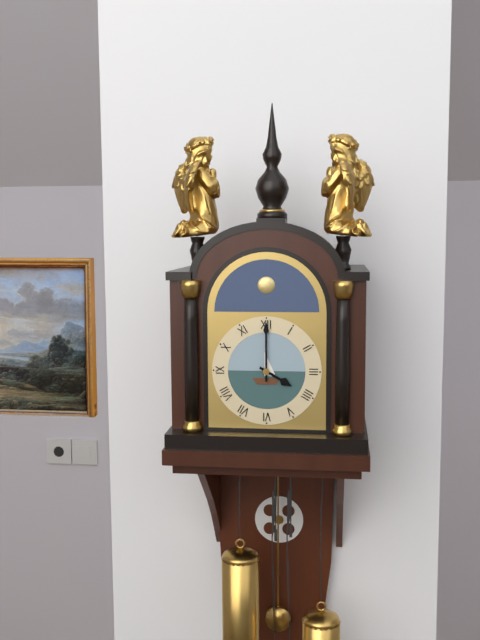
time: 4:00
